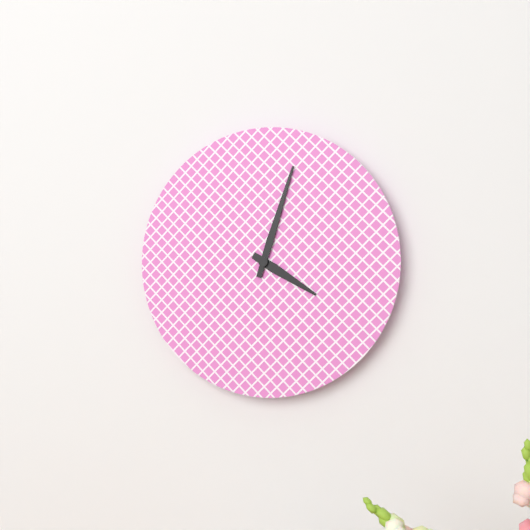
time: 4:03
